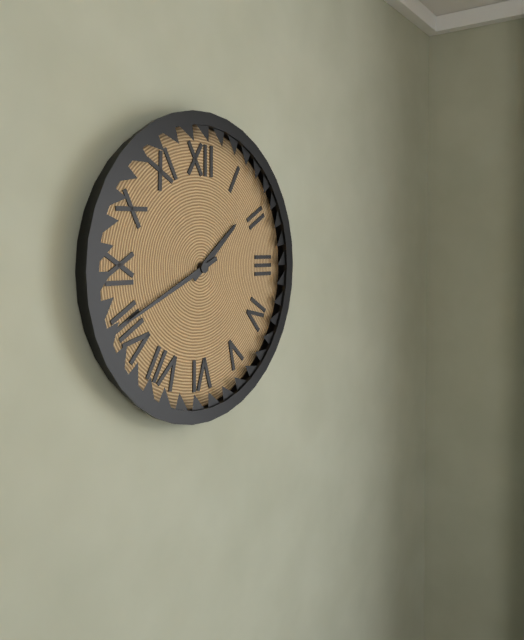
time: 1:41
